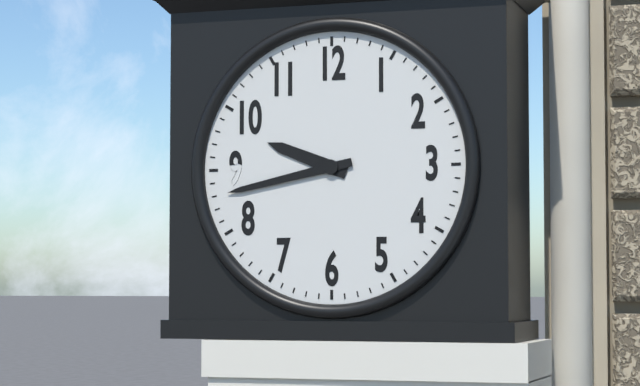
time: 9:43
